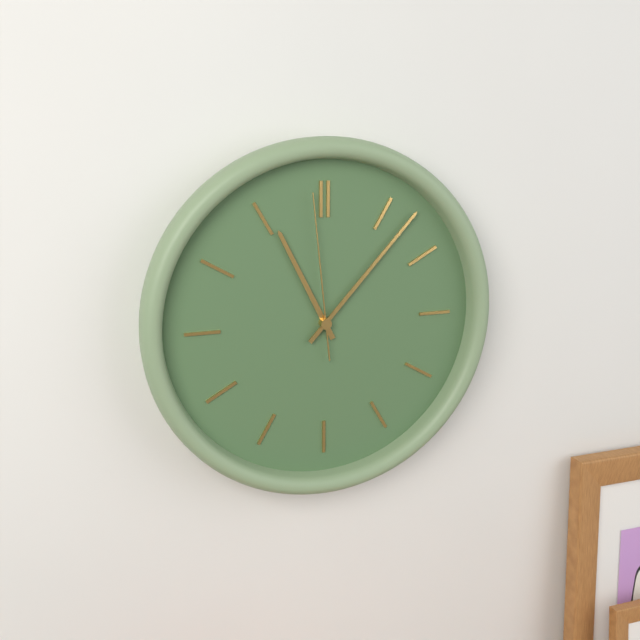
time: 11:07:59
